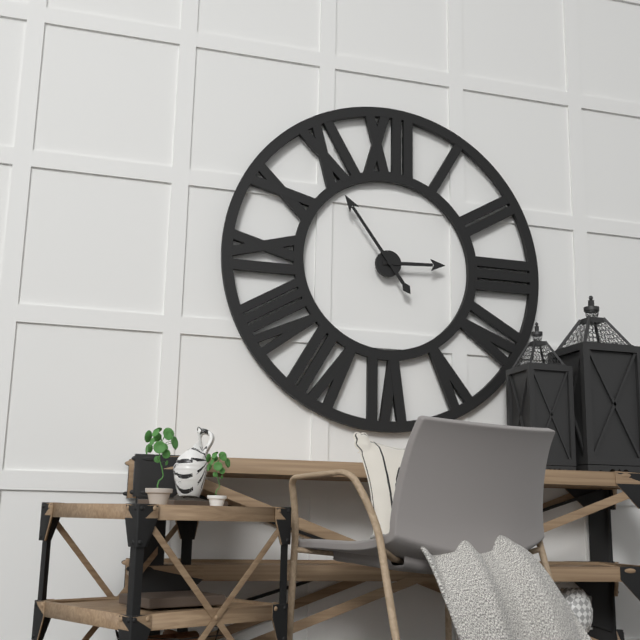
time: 2:54
